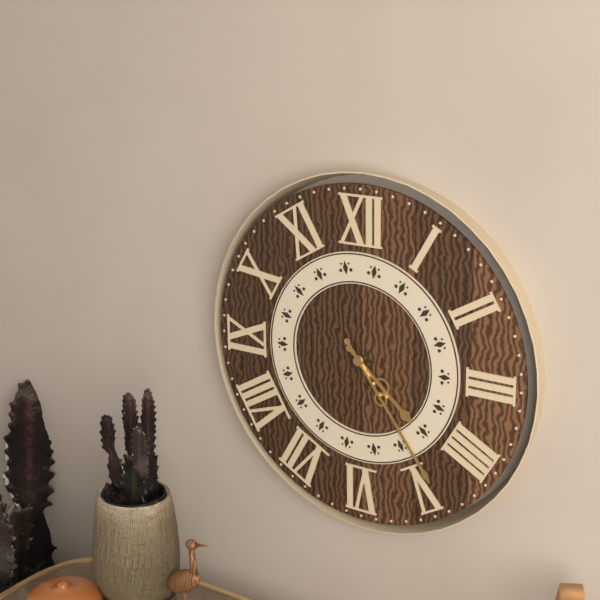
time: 4:24
